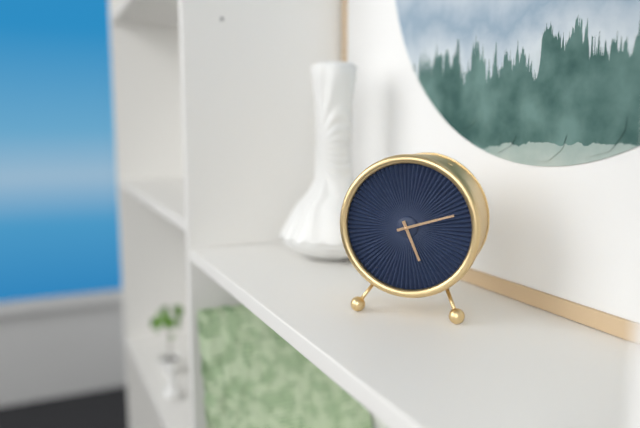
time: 5:12
